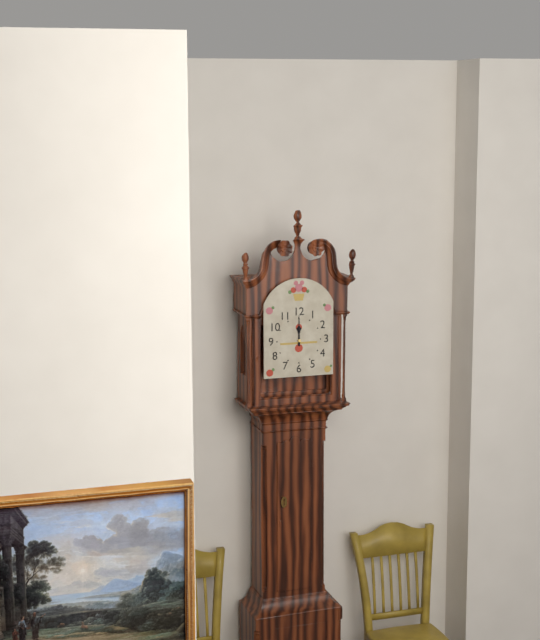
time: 12:00
